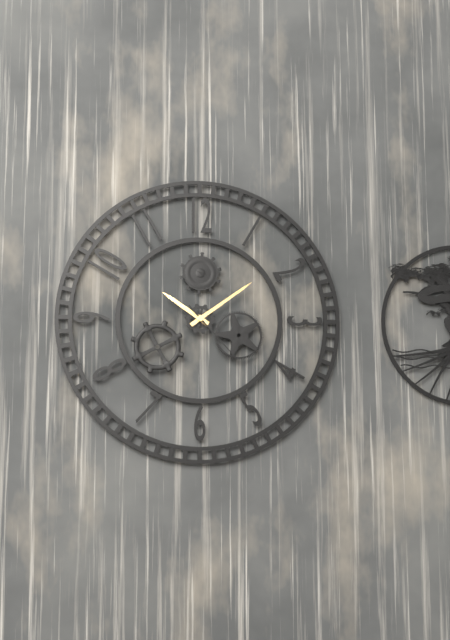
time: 10:09:23
